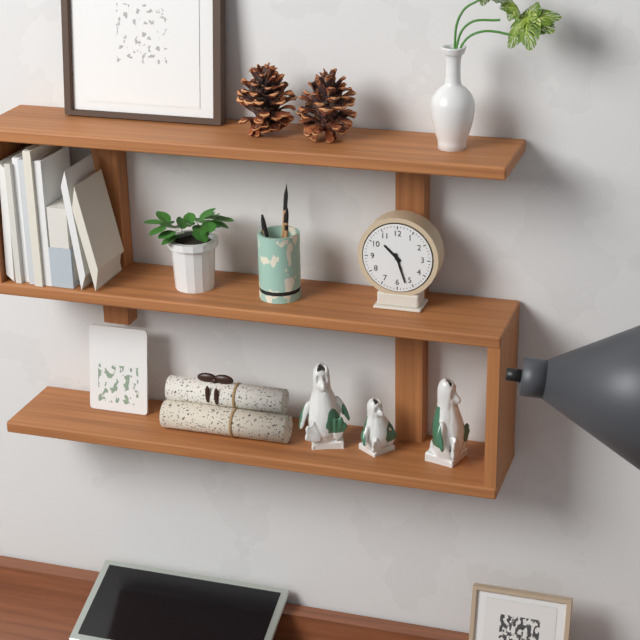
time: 10:27
